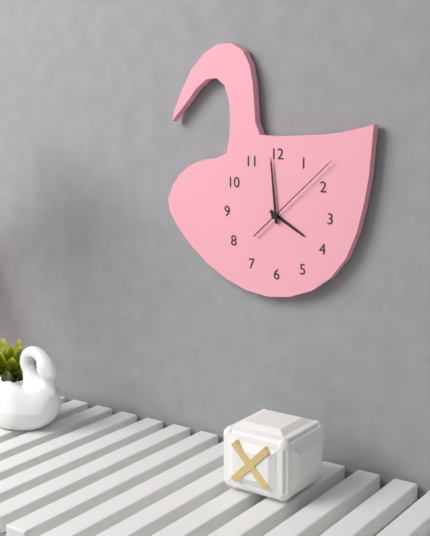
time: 3:59:08
